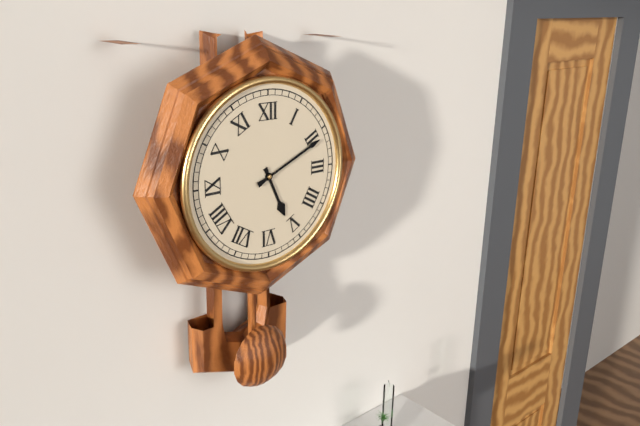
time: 5:11
